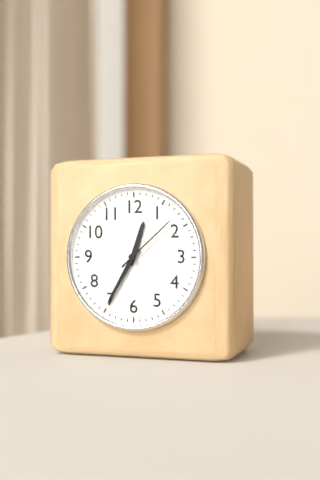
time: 12:35:08
